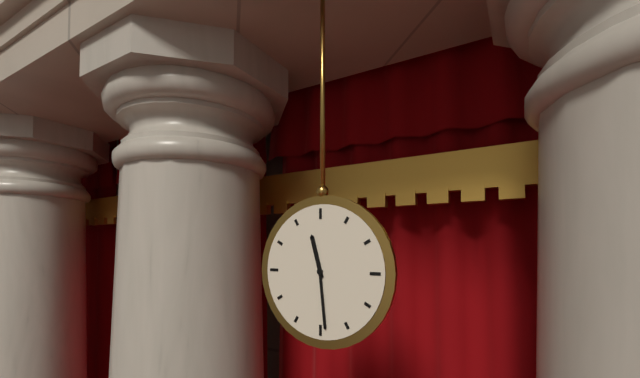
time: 11:29
